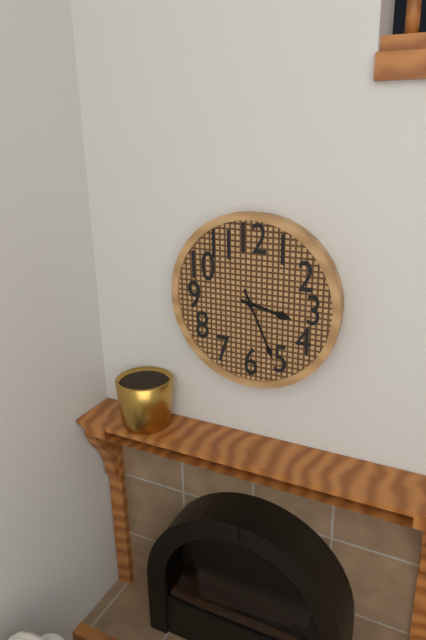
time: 3:26
